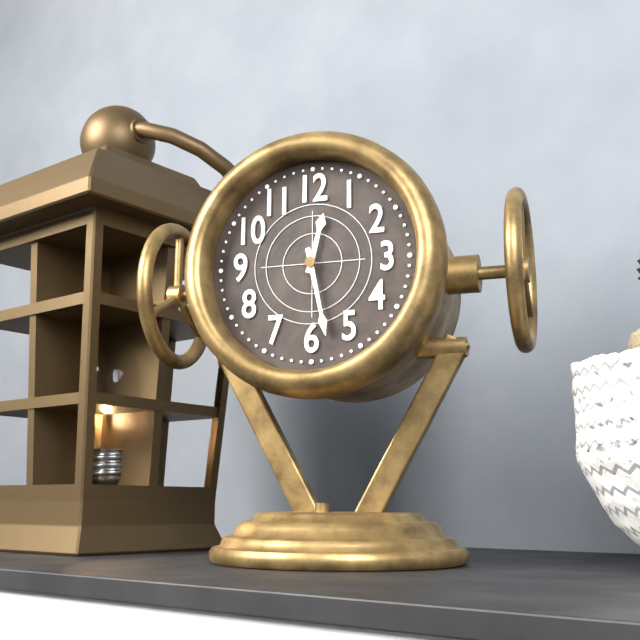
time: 12:28
